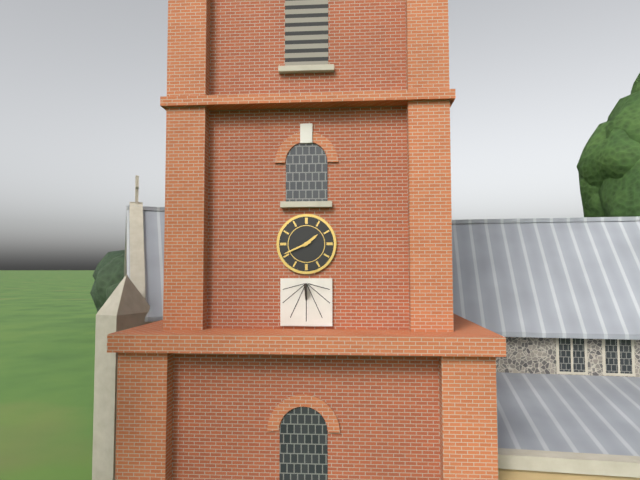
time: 1:41
